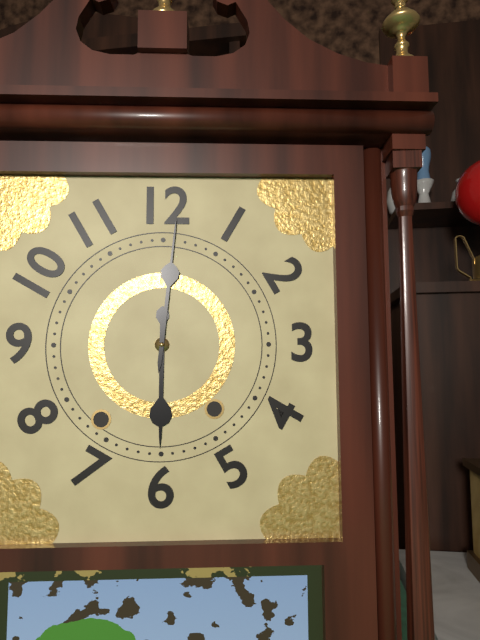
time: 6:01
